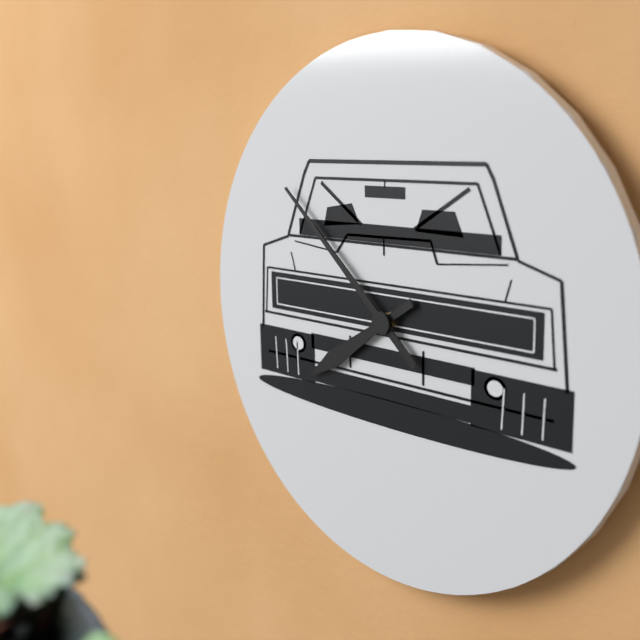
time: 7:52
